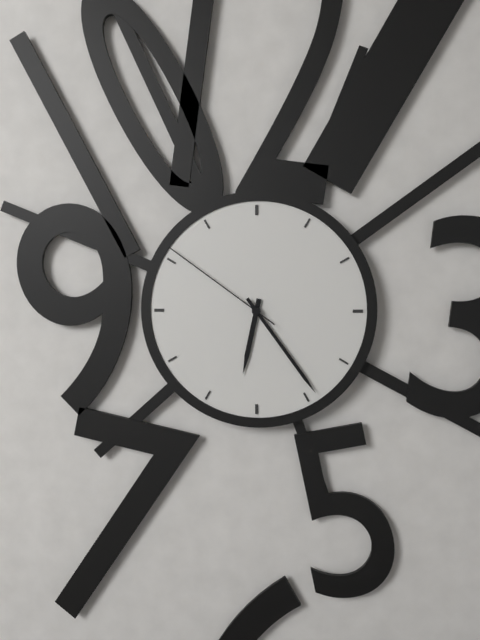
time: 6:24:51
